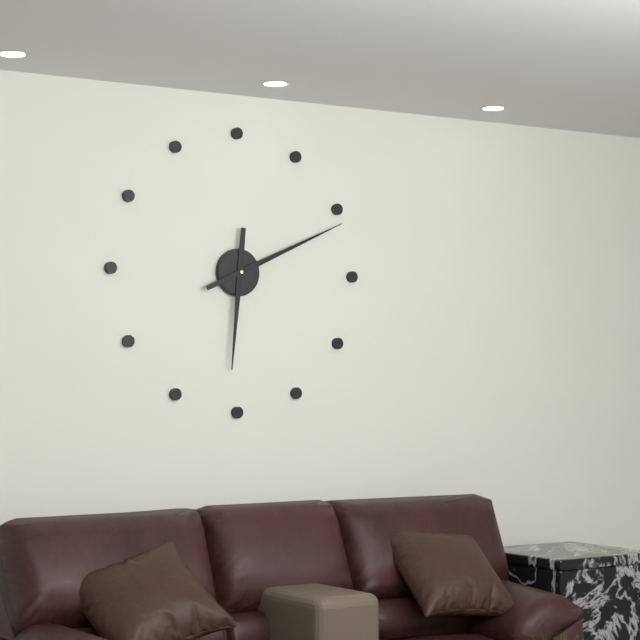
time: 6:11
